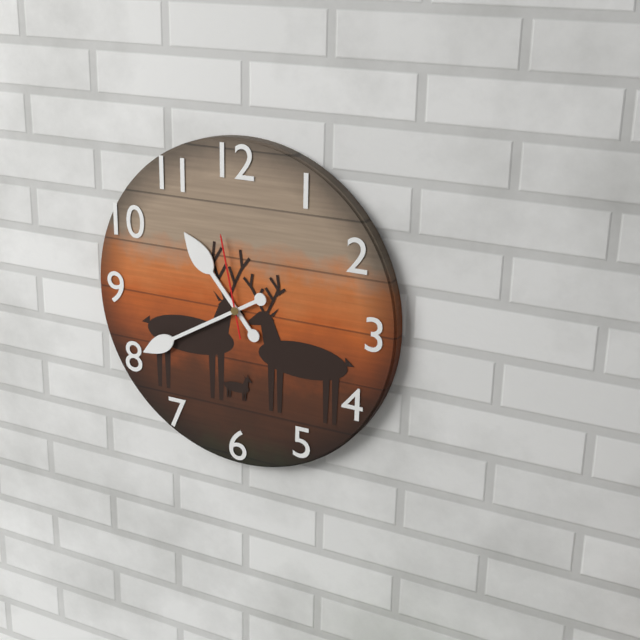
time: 10:40:58
